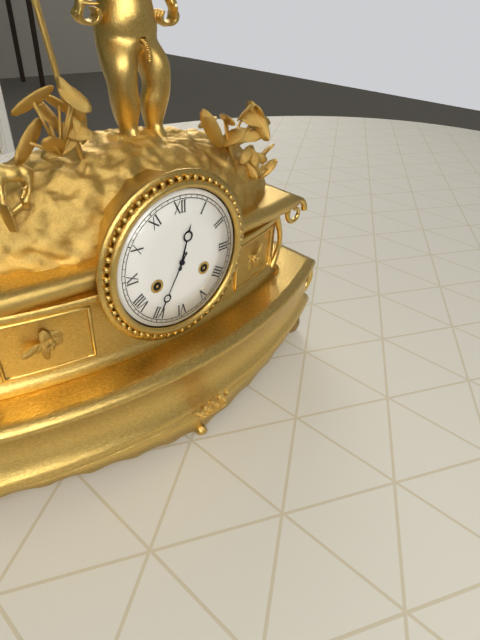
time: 12:35
